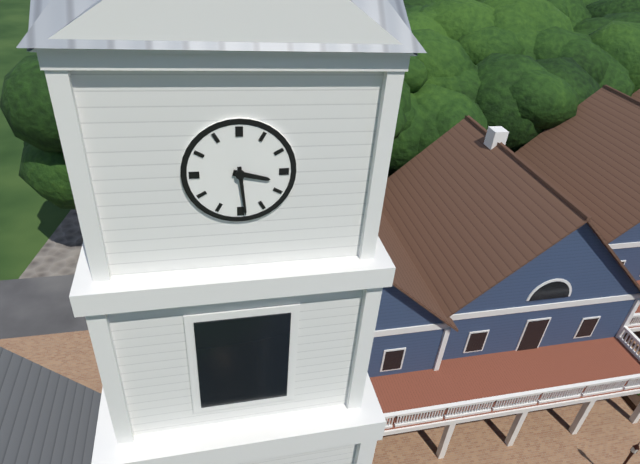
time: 3:29
